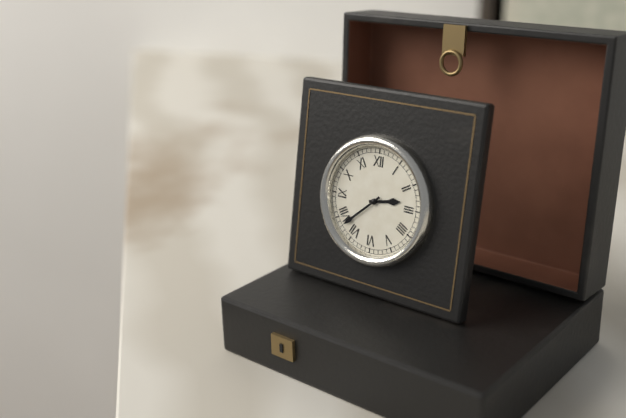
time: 2:38
